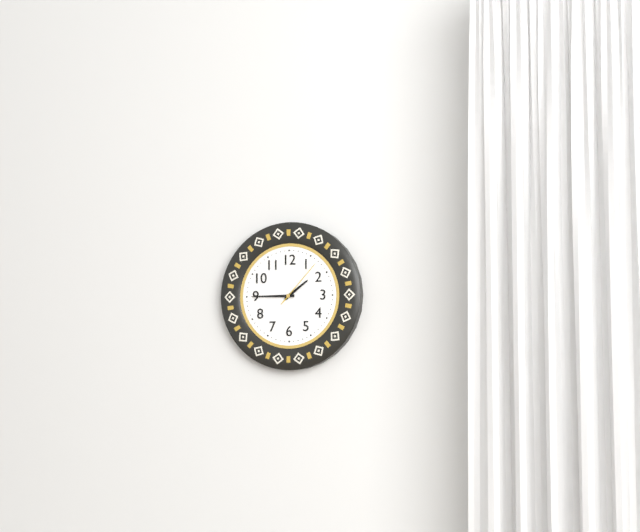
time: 1:45:07
